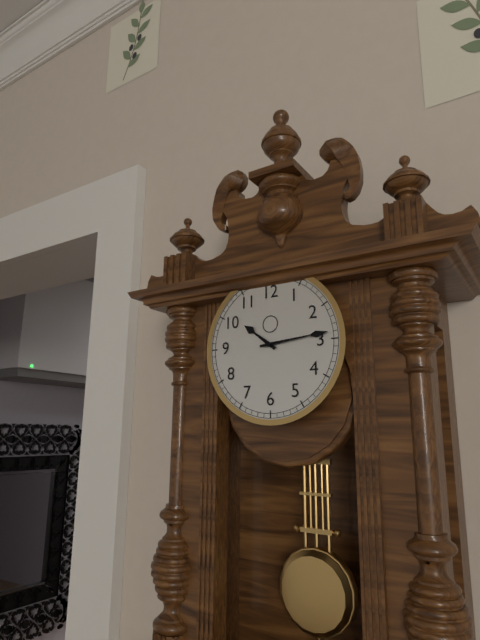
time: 10:14
